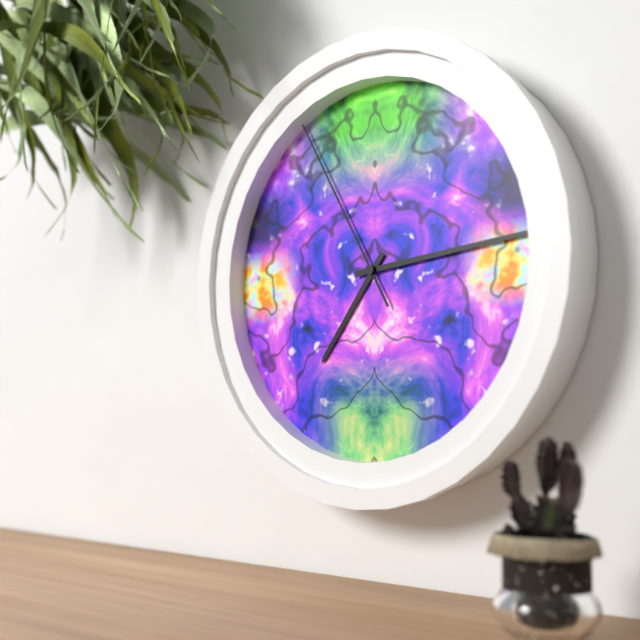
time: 7:14:55
